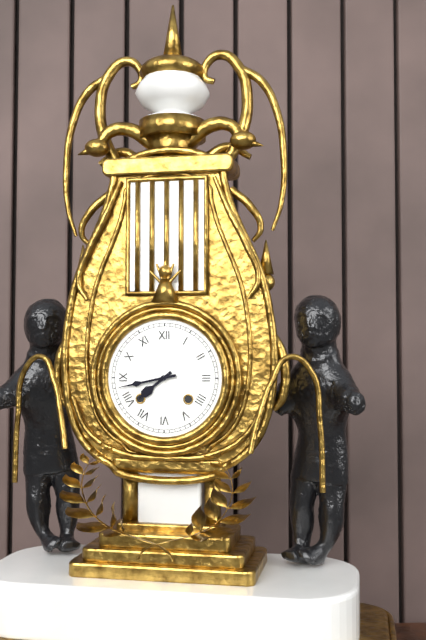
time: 7:43
